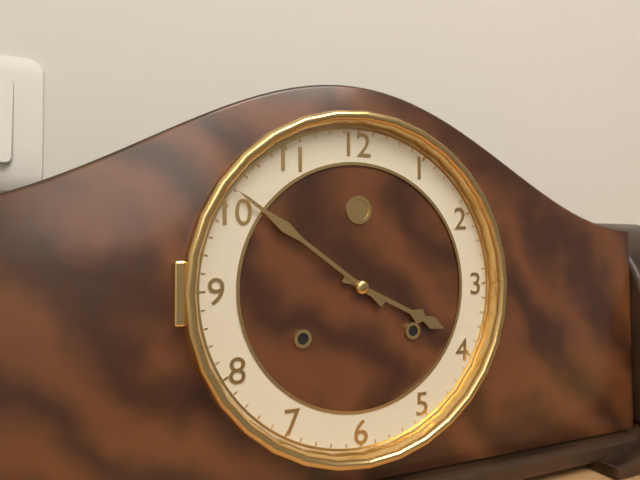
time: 3:51
